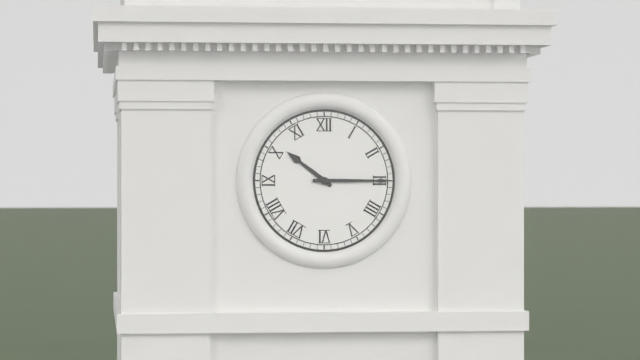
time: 10:15
